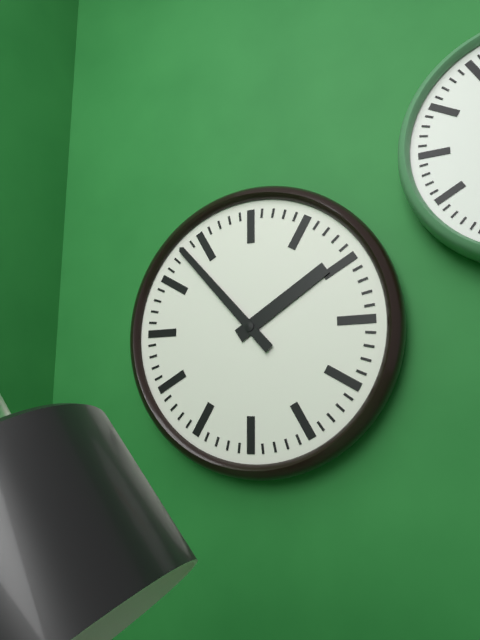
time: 1:53
